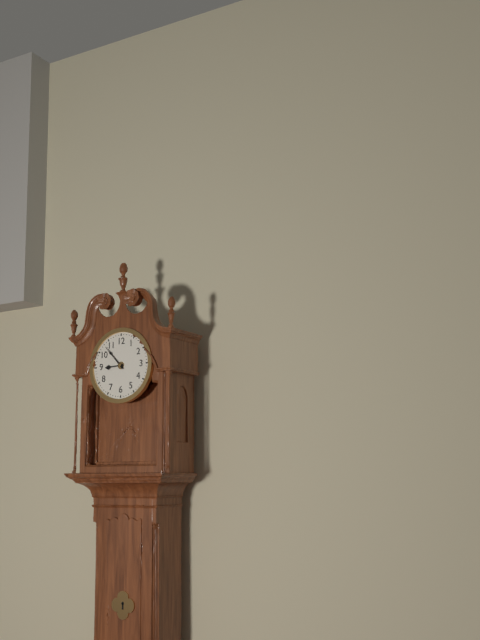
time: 8:53
